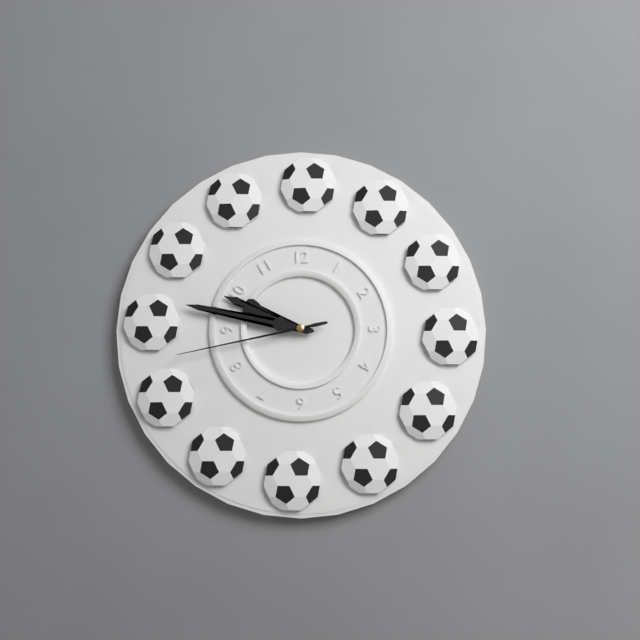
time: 9:47:43
